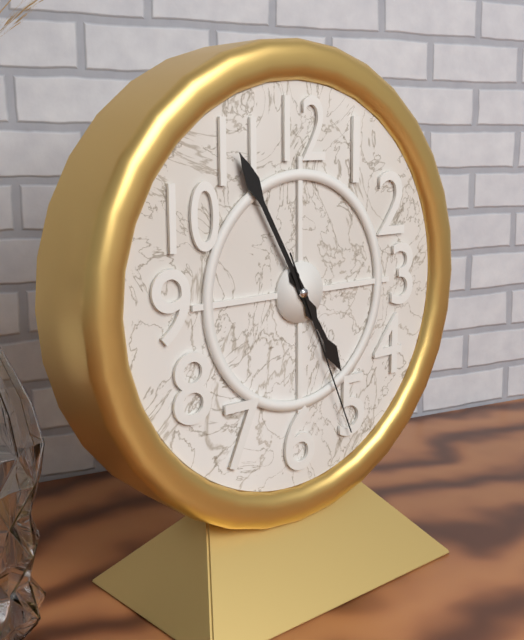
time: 4:55:26
